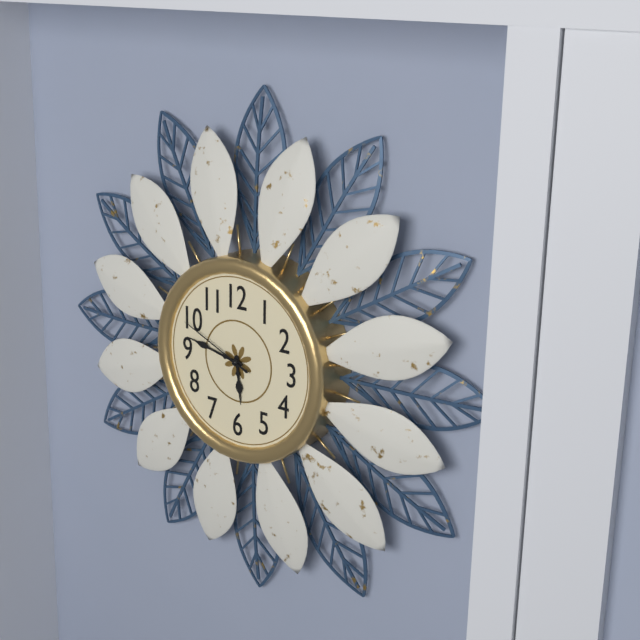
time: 5:47:49
